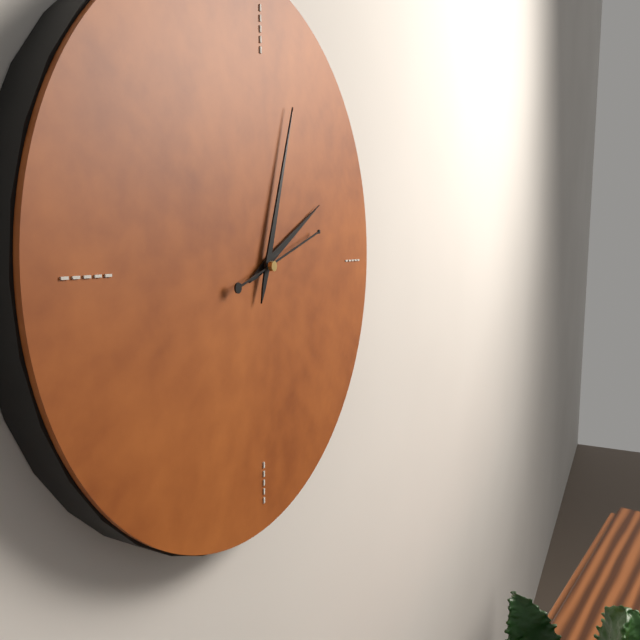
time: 2:03:12
